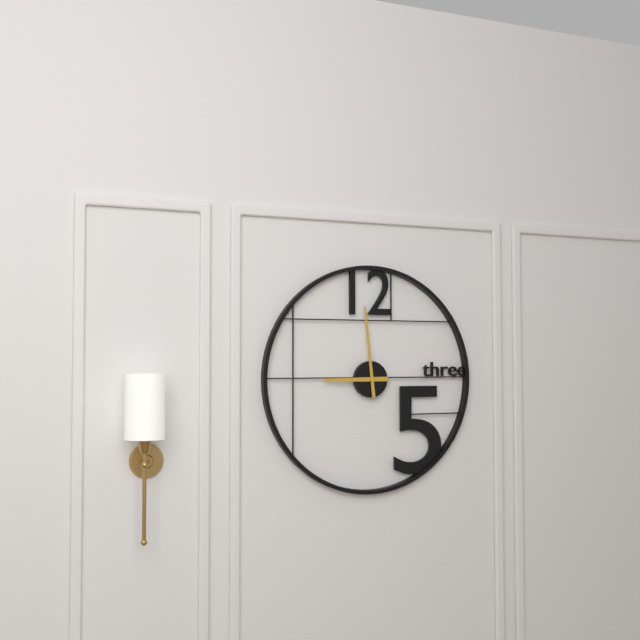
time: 8:59
